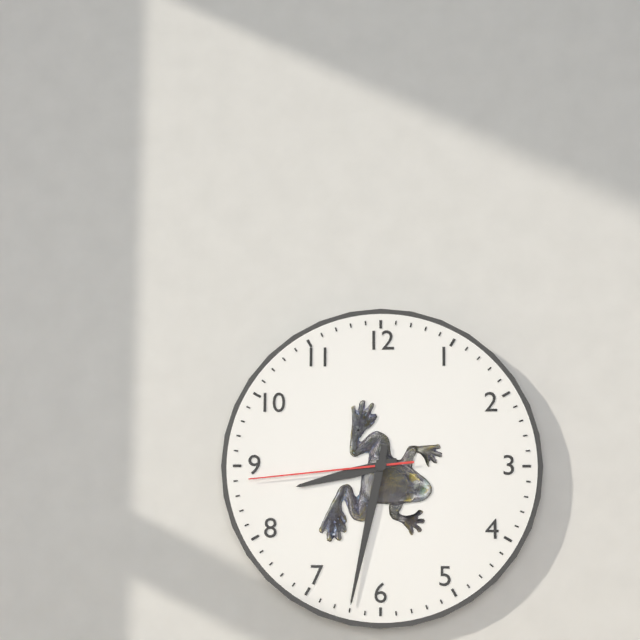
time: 8:32:44
